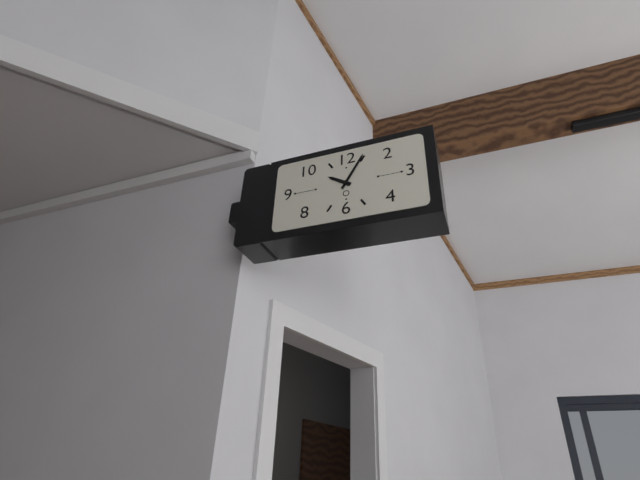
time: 10:05
